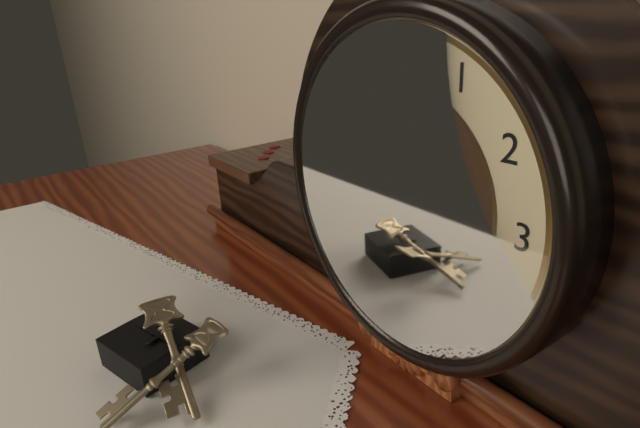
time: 8:20
